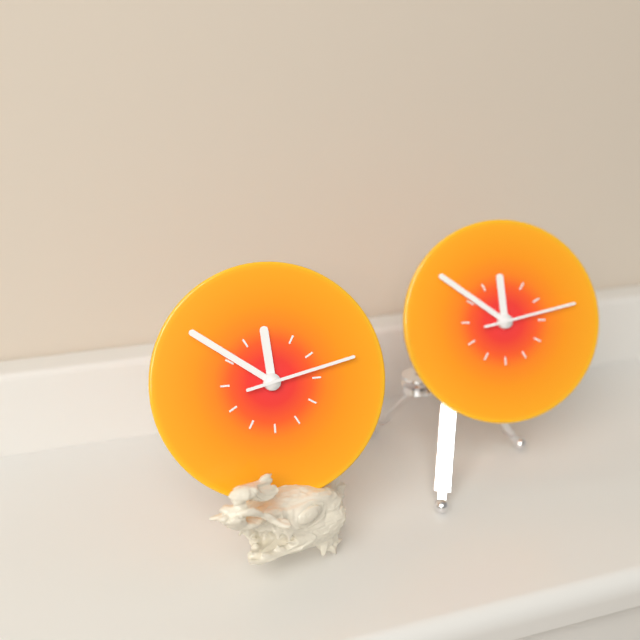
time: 11:51:13
